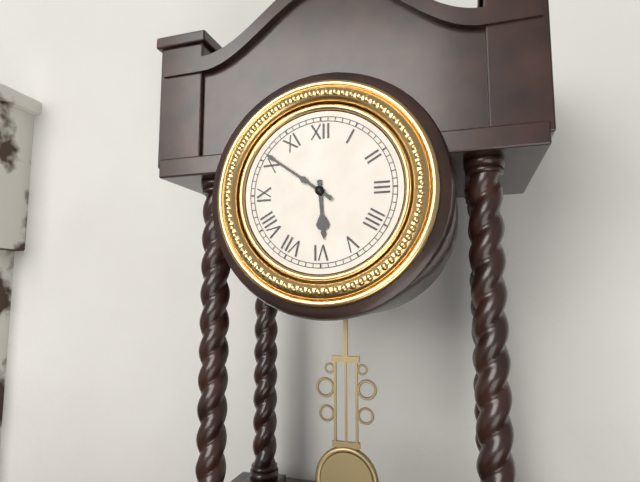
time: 5:51
